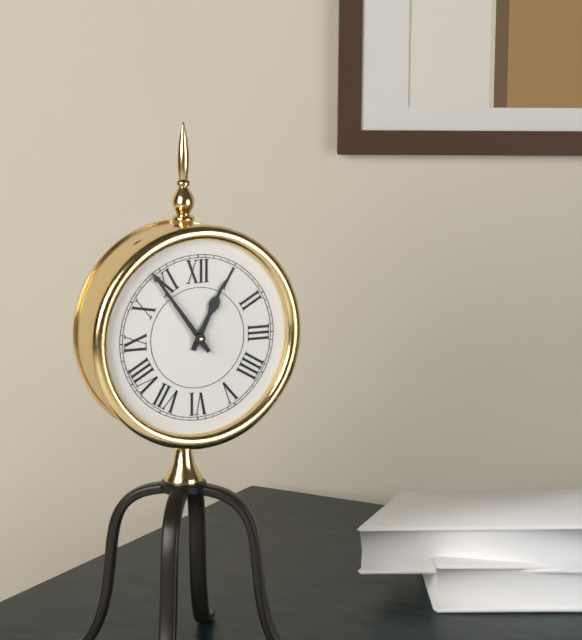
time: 12:54
